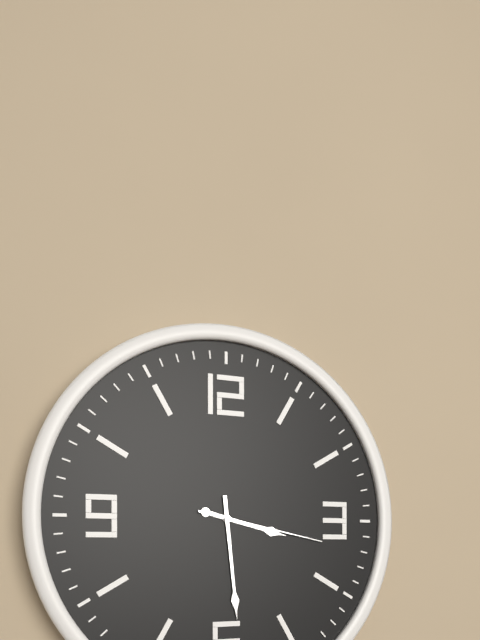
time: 3:29:17
